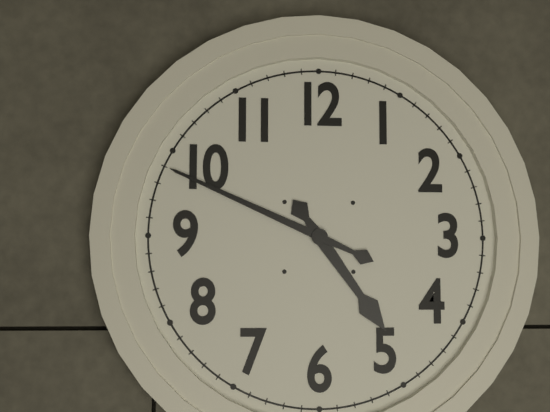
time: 4:49
